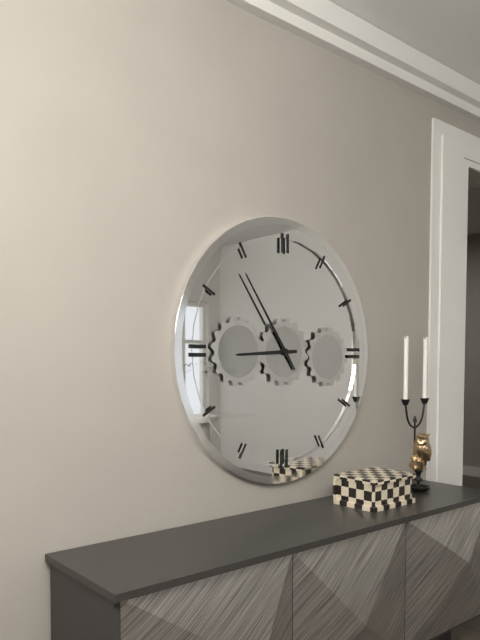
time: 8:54
